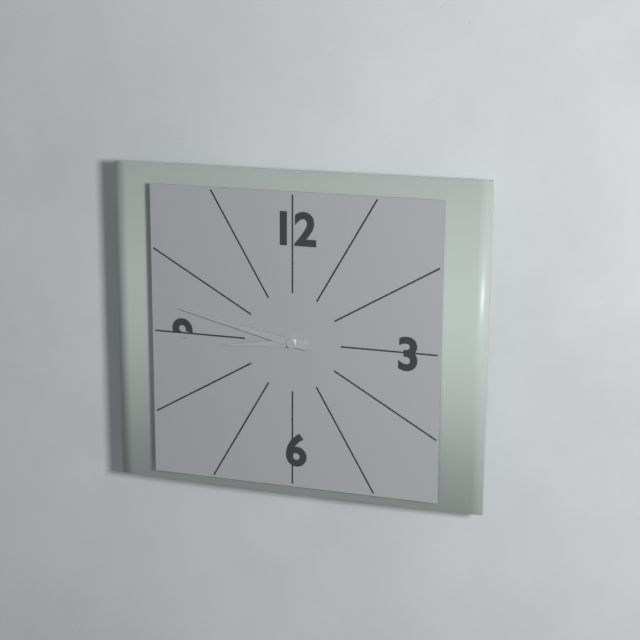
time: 8:47
